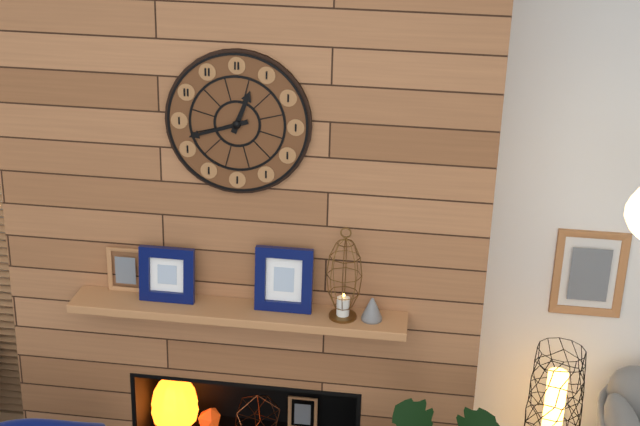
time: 12:42
